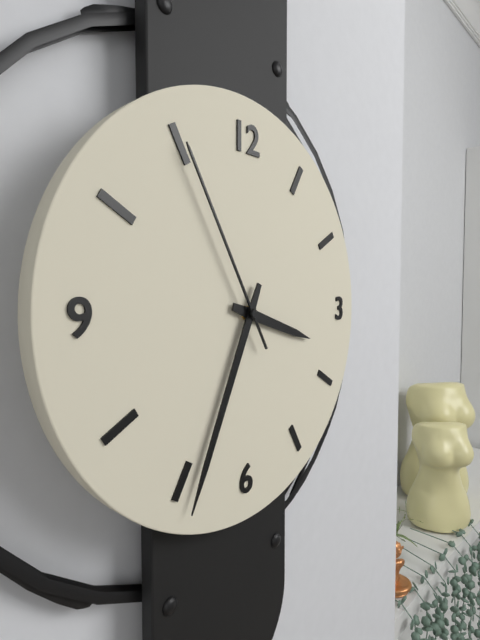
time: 3:34:55
